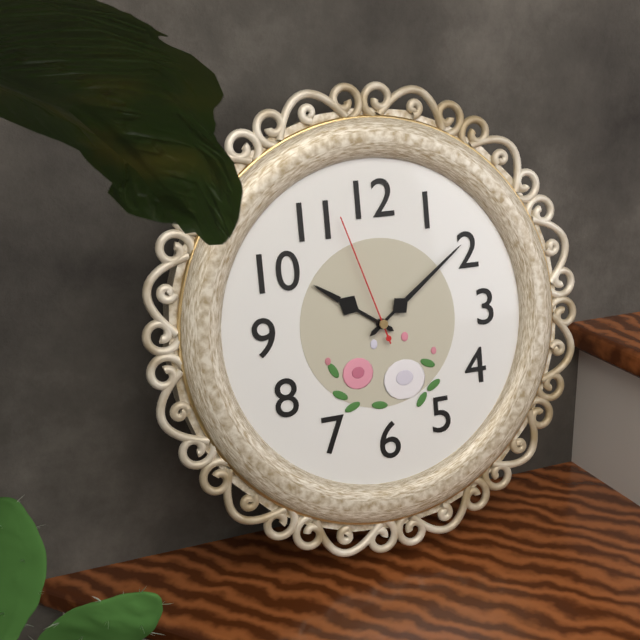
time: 10:09:57
